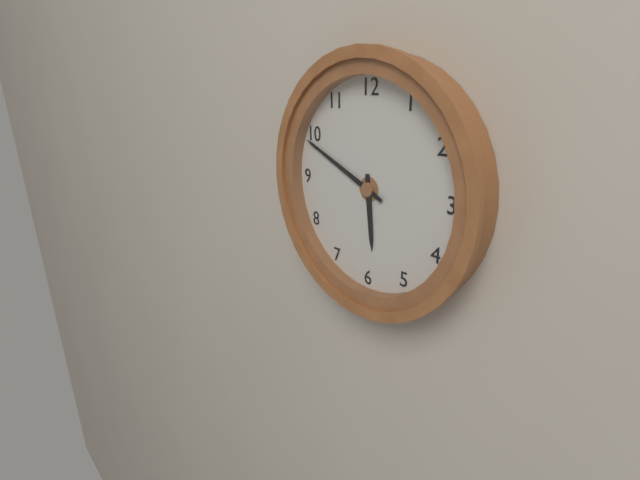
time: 5:49
